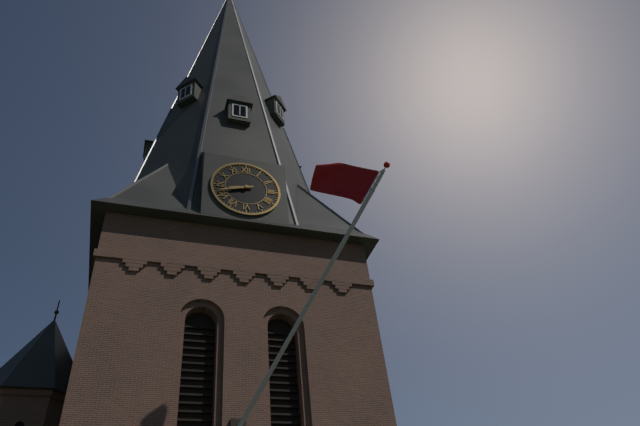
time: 8:42
